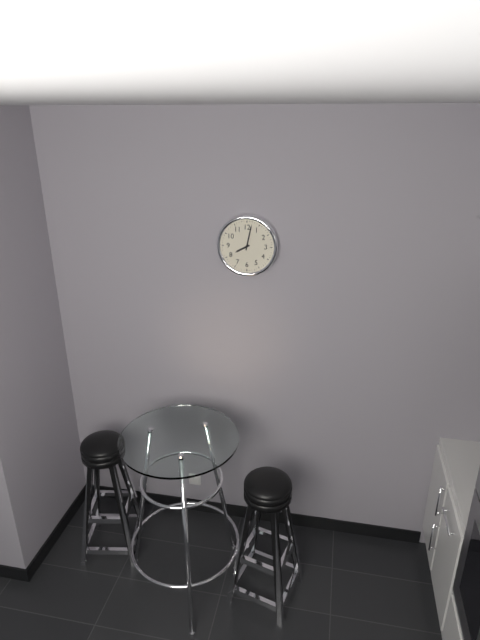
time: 8:02
